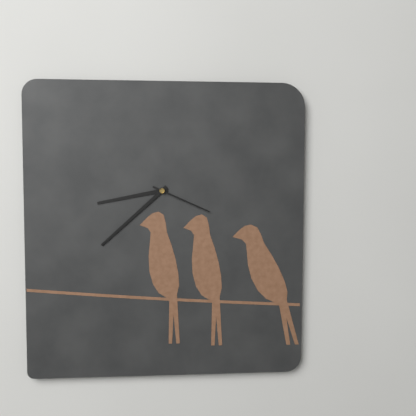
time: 8:38:19
